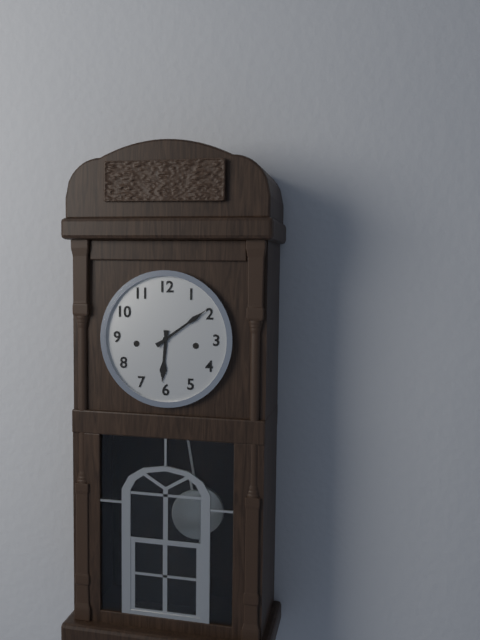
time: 6:09
